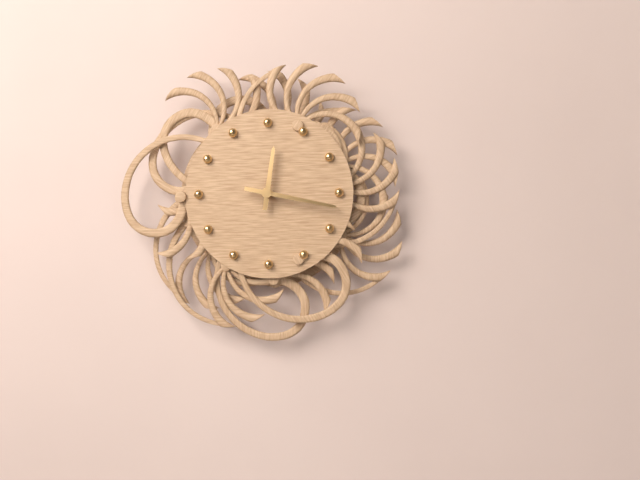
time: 12:17
